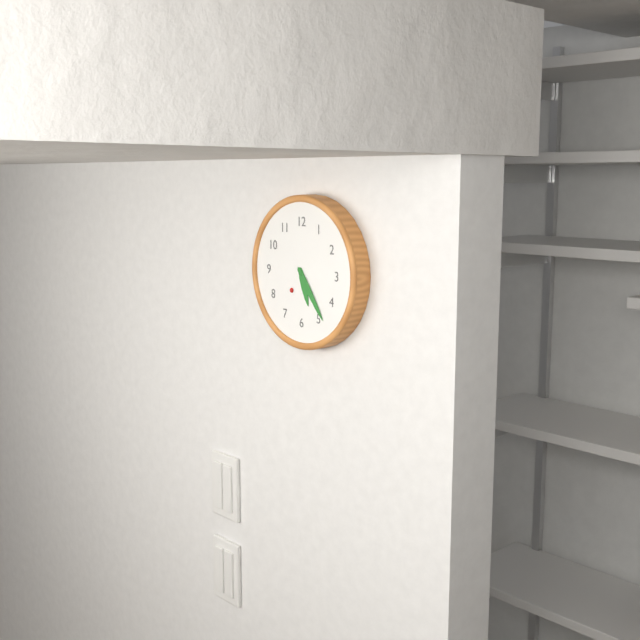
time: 5:24
